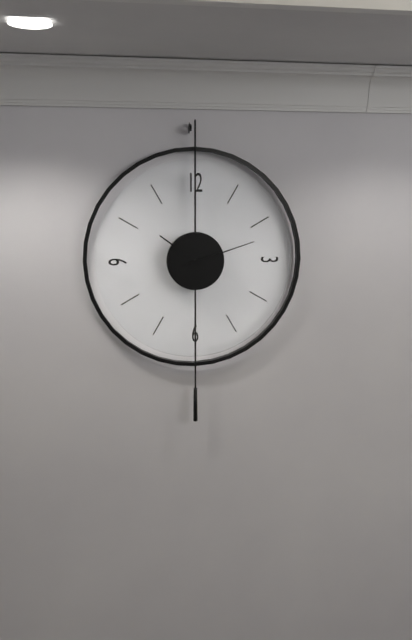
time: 10:12
